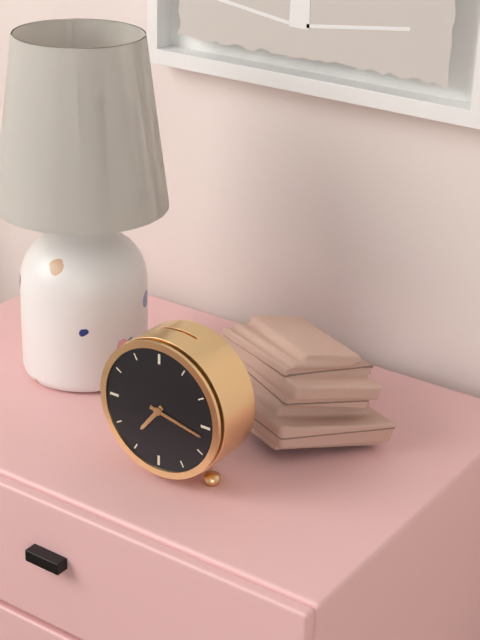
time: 7:17
